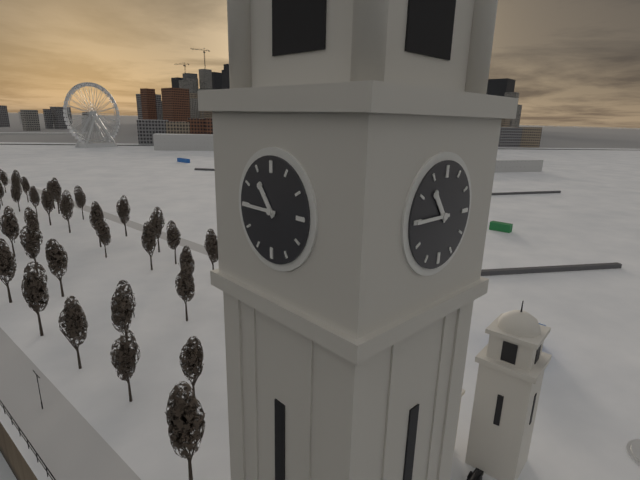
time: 10:45
